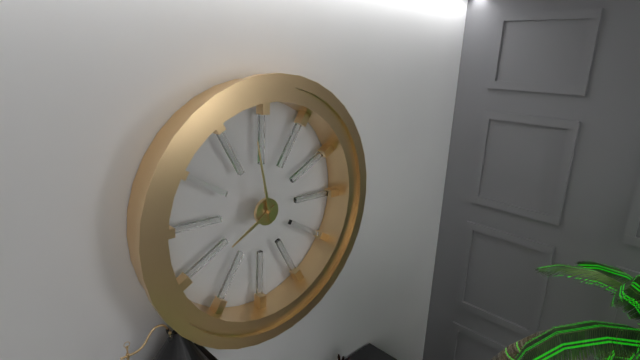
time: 7:58
